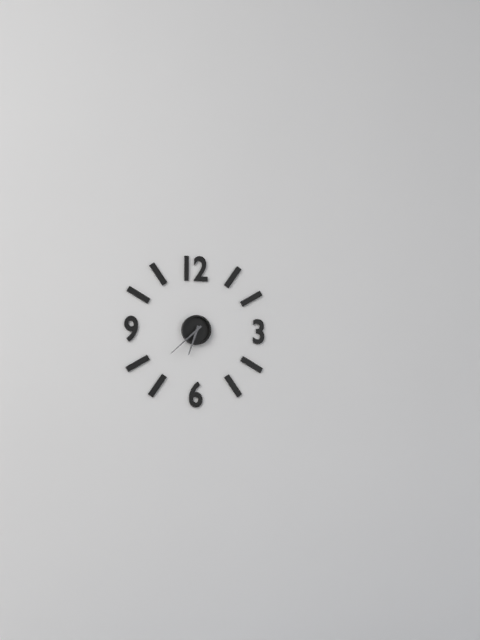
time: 6:38
